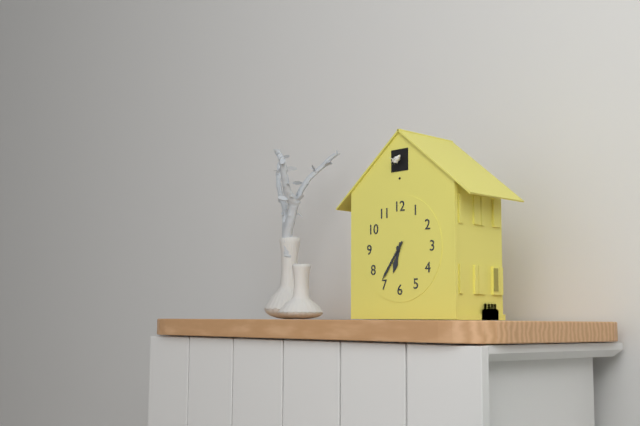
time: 6:36
